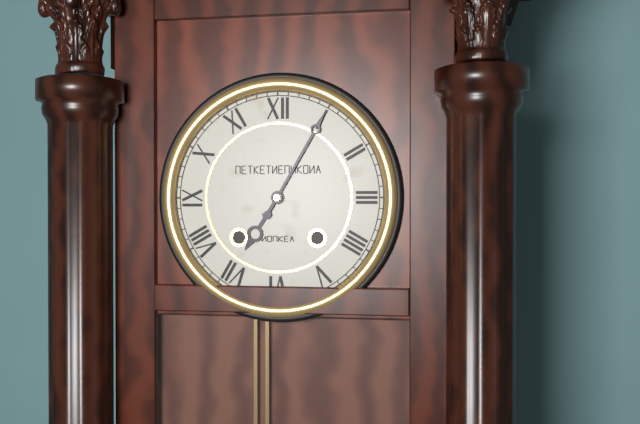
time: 7:05
